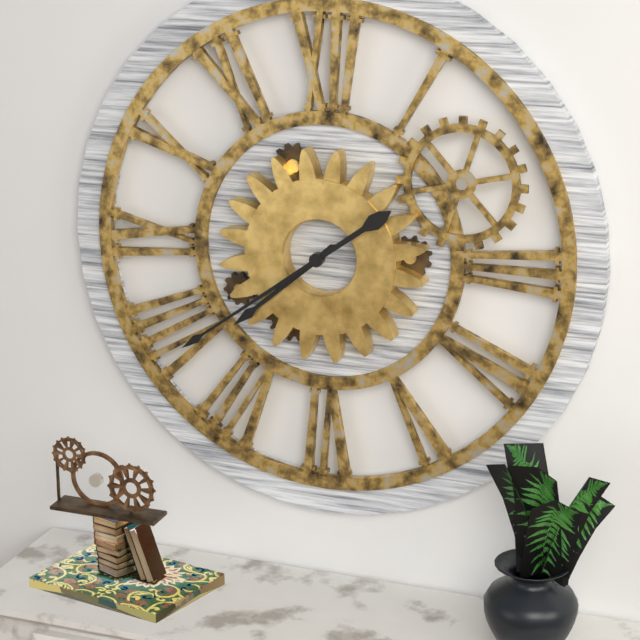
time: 7:39
